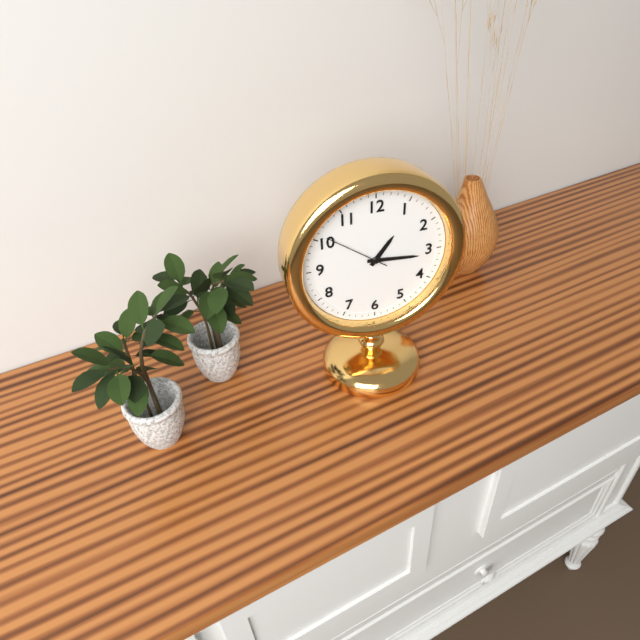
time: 1:16:51
